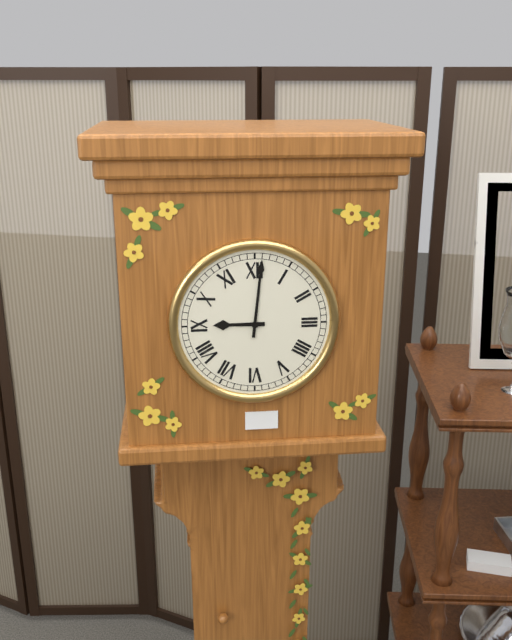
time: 9:01
